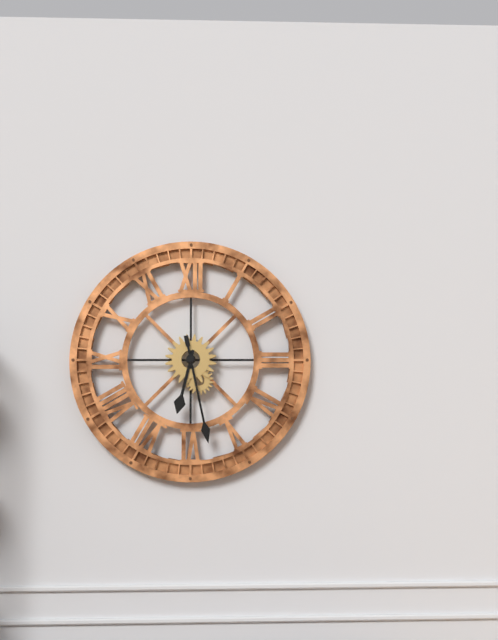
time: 6:28
